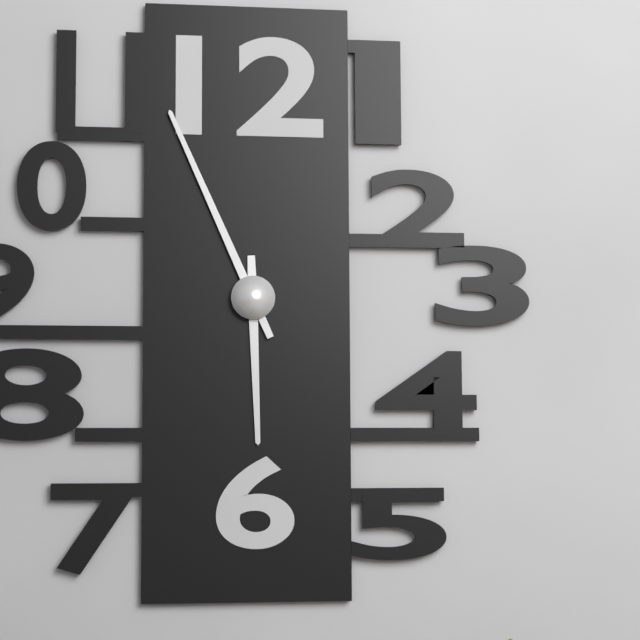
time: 5:56
